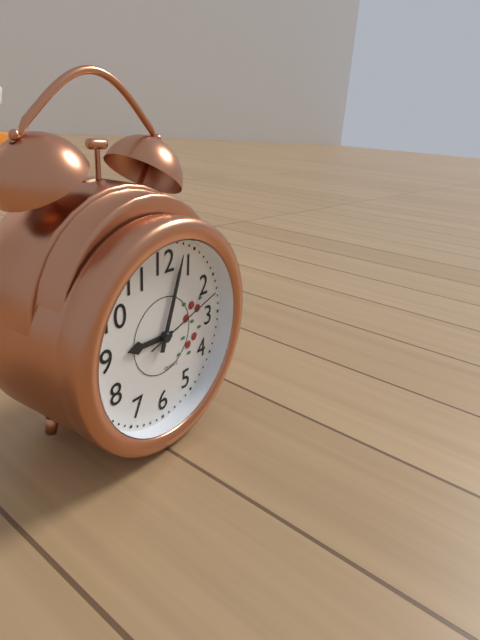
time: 9:03:12
